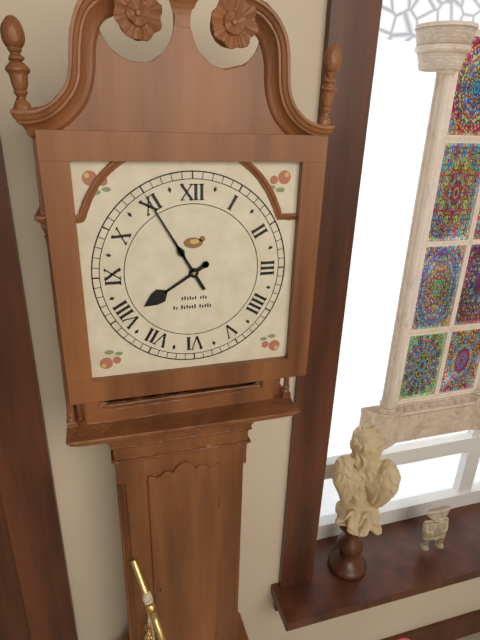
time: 7:55
